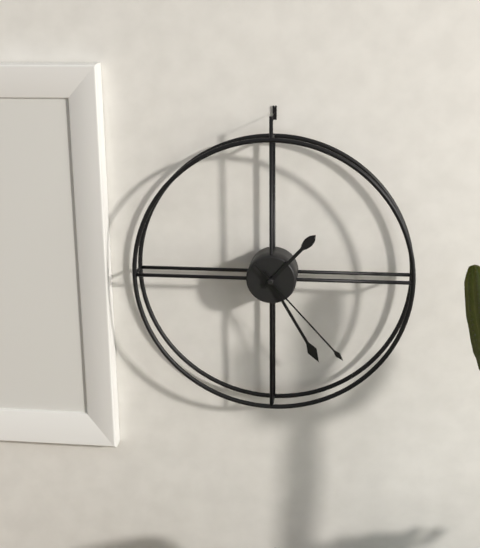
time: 1:25:23
